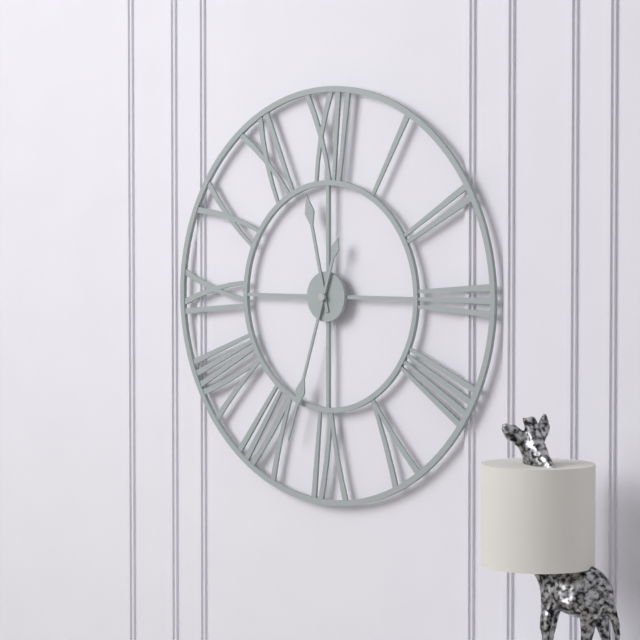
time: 11:33
